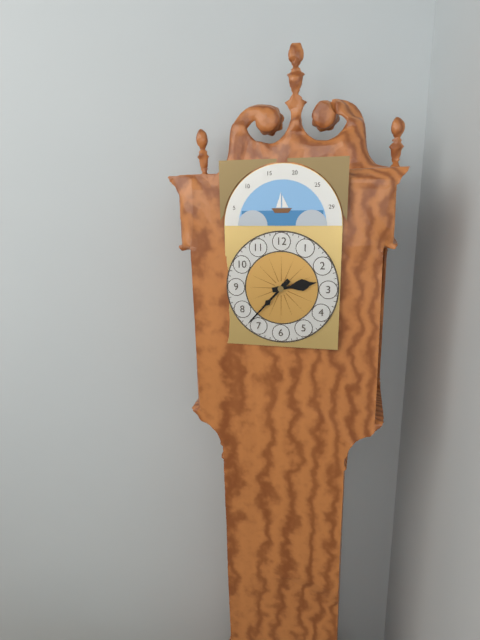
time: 2:37
